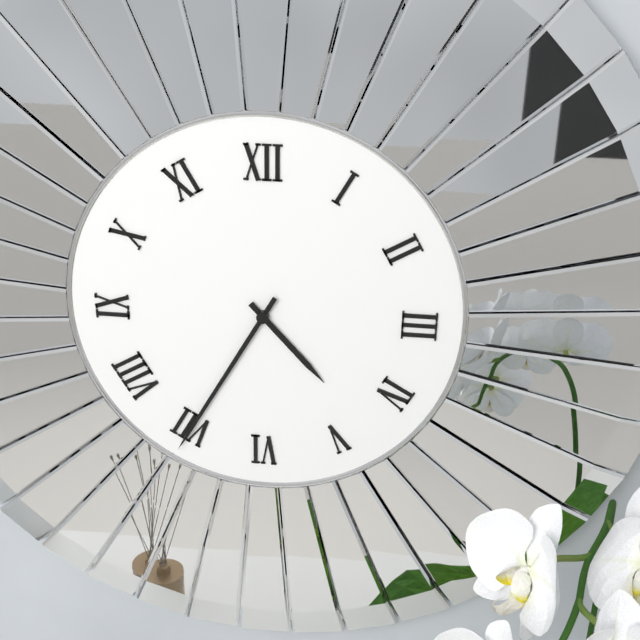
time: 4:35
